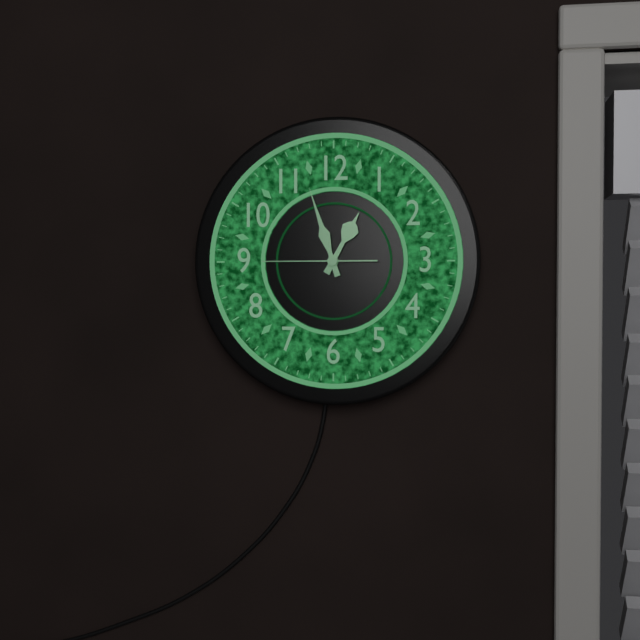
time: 12:57:45
